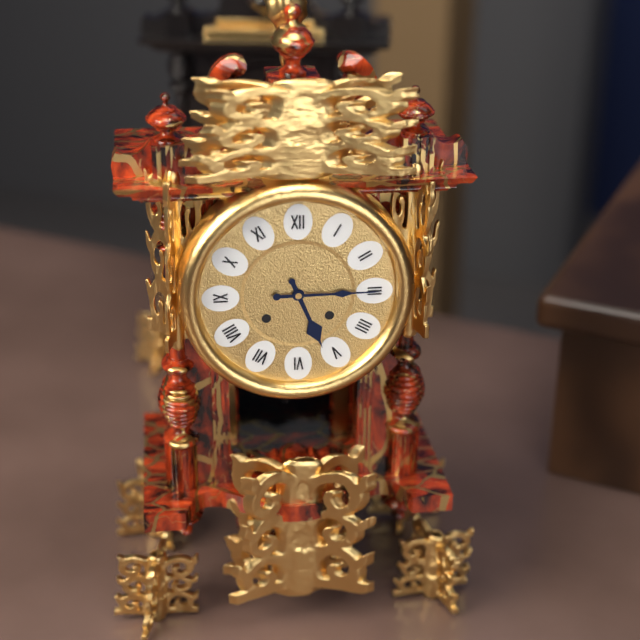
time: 5:15
